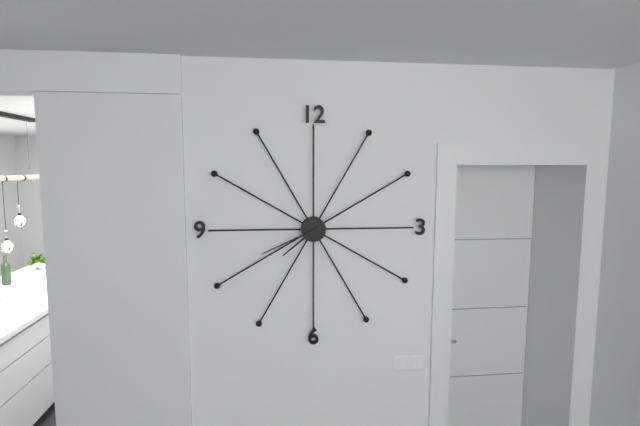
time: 7:41
